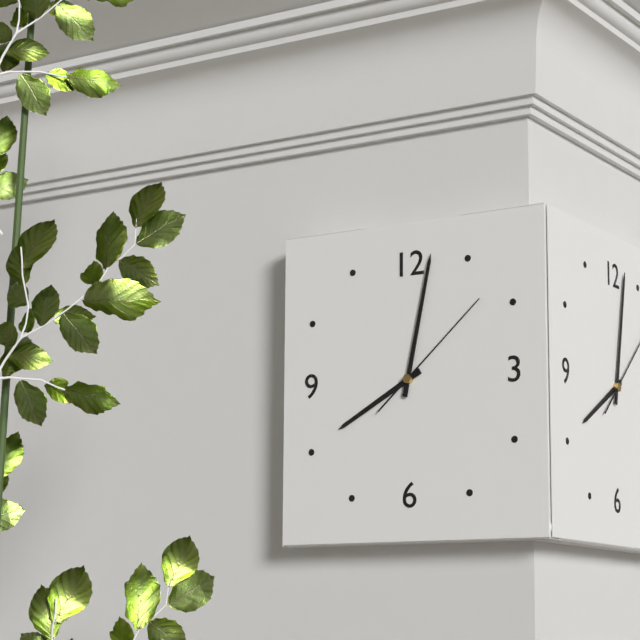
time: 8:02:08
